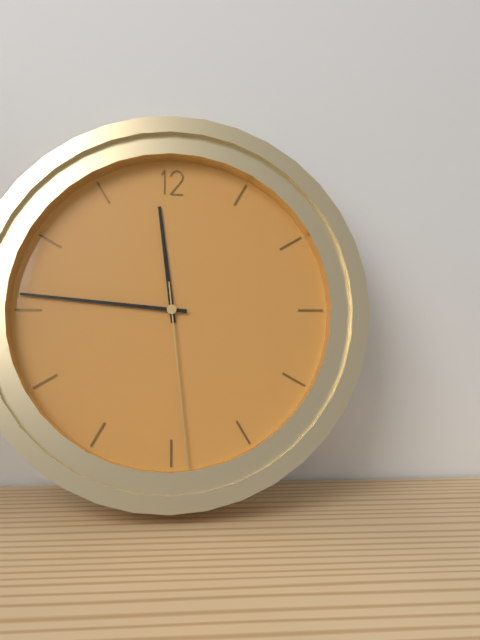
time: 11:46:29
